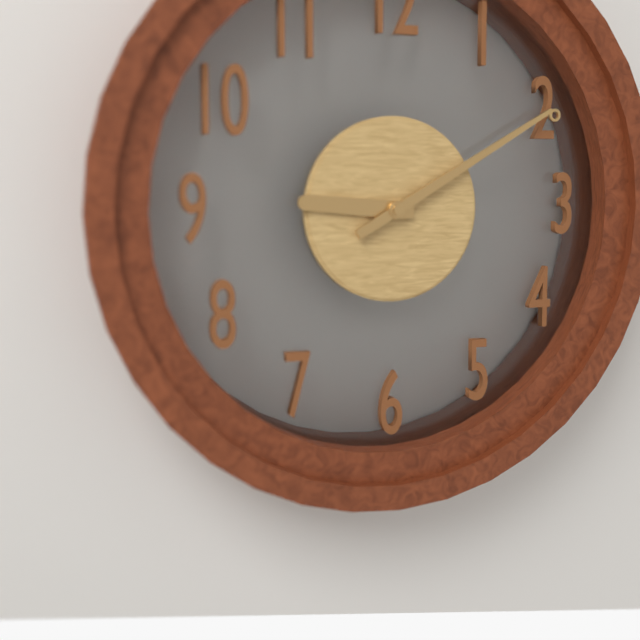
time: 9:10
